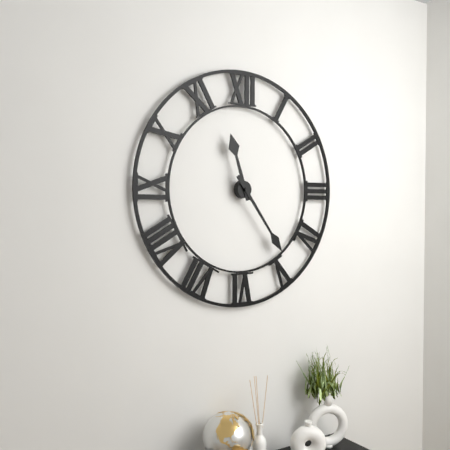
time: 11:24
